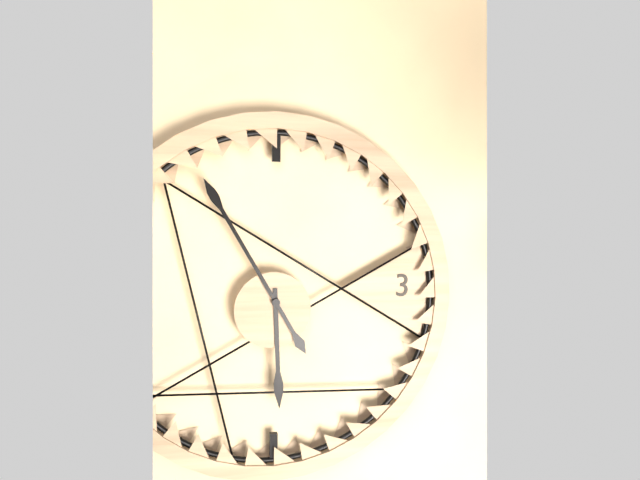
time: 5:55
